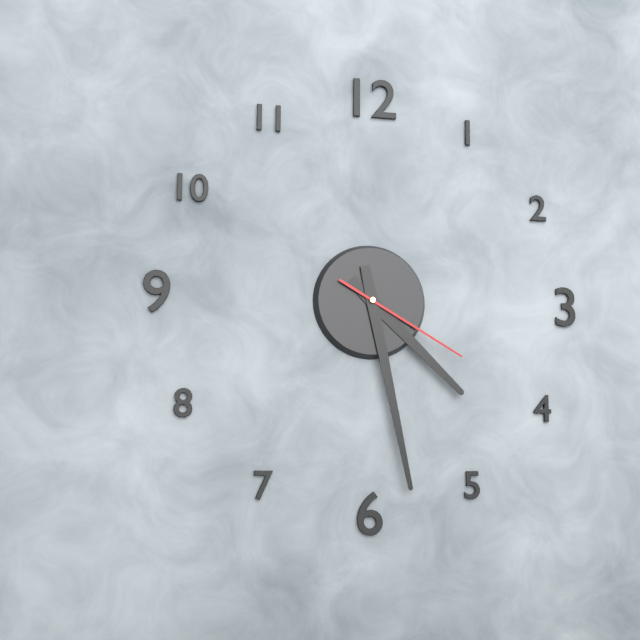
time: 4:28:20
